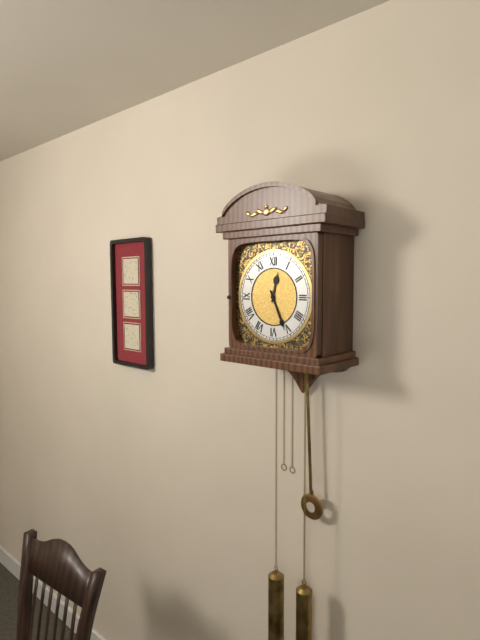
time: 12:26
